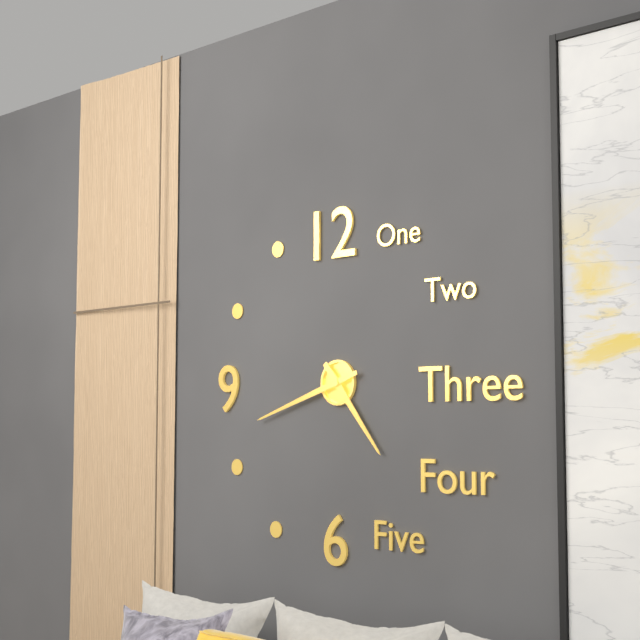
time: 4:42
